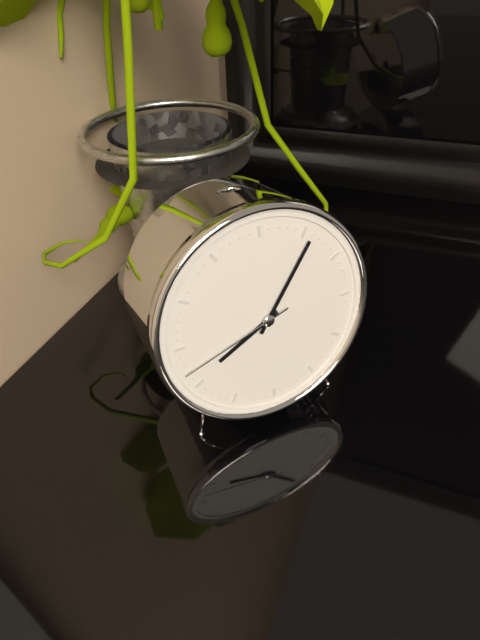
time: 8:06:42
